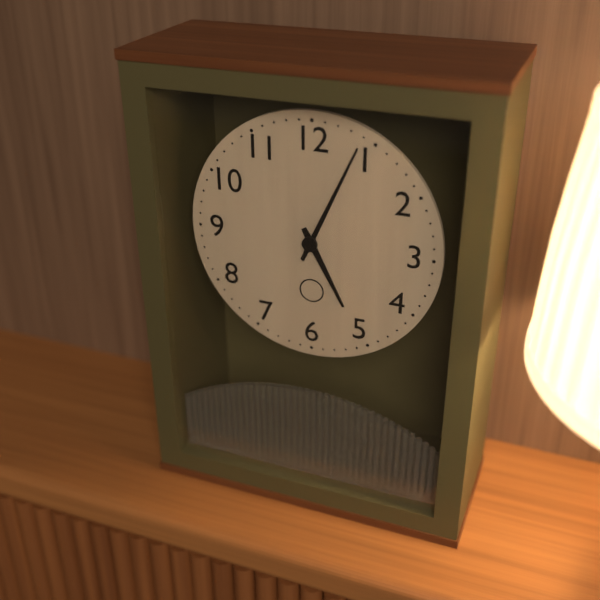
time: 5:04
